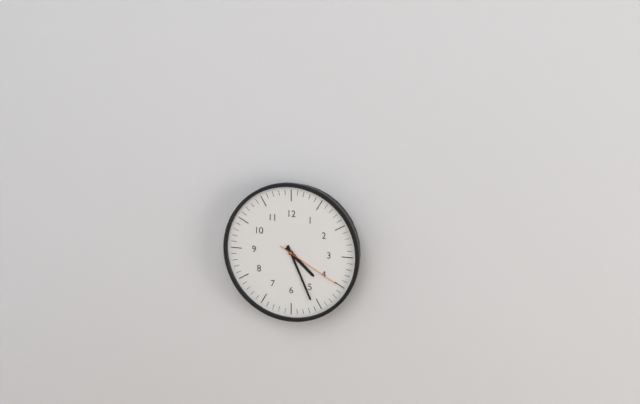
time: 4:26:20
